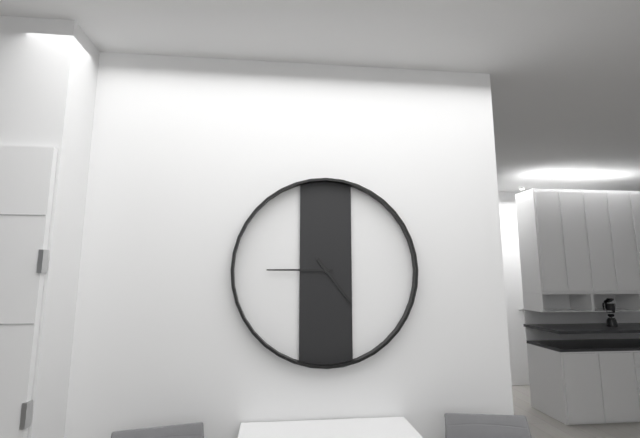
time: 4:45
